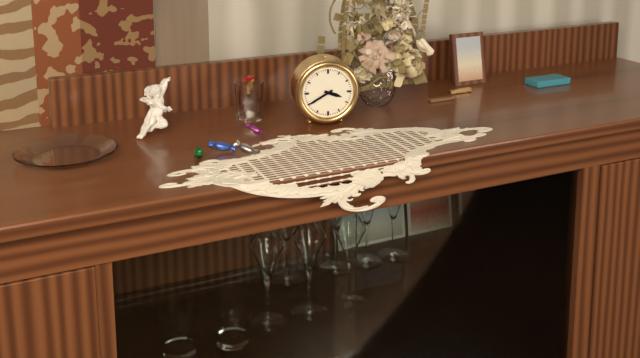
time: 3:40
